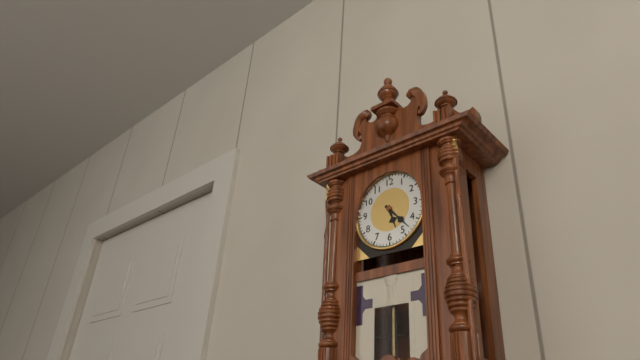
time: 5:23
